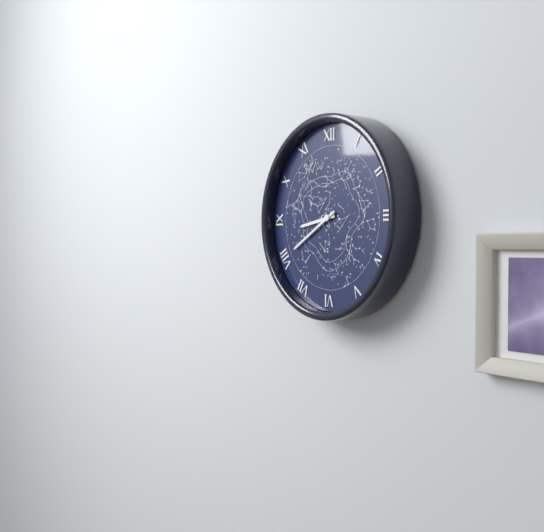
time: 8:40
